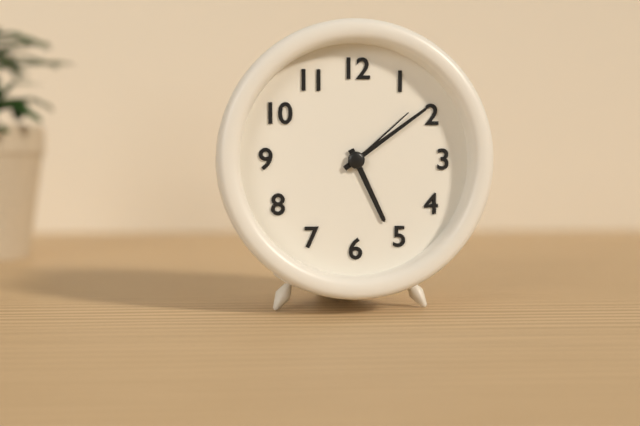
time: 5:09:08
